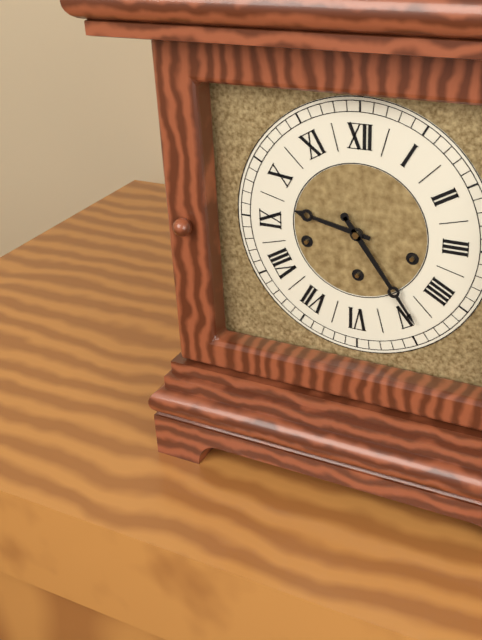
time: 9:24
